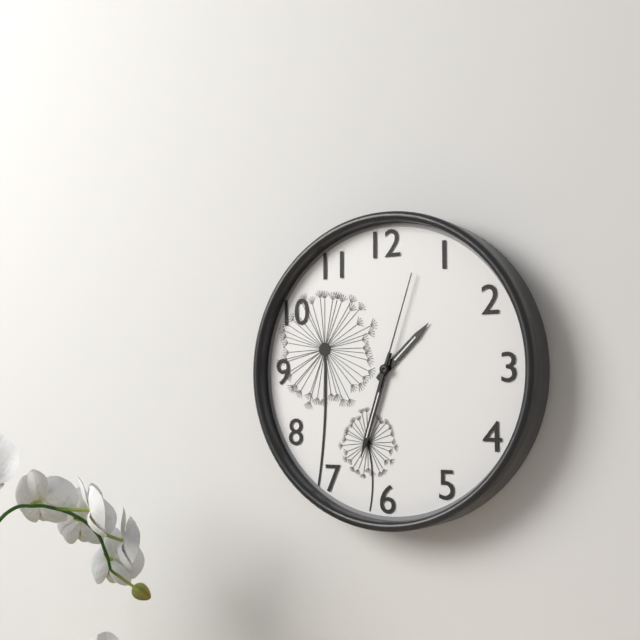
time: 1:33:03
